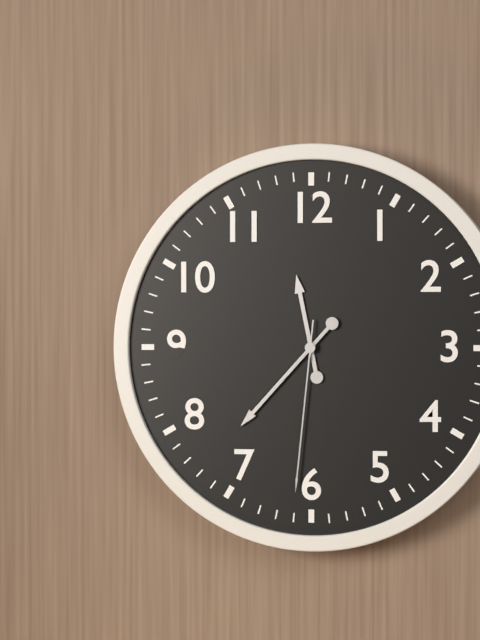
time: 11:37:31
